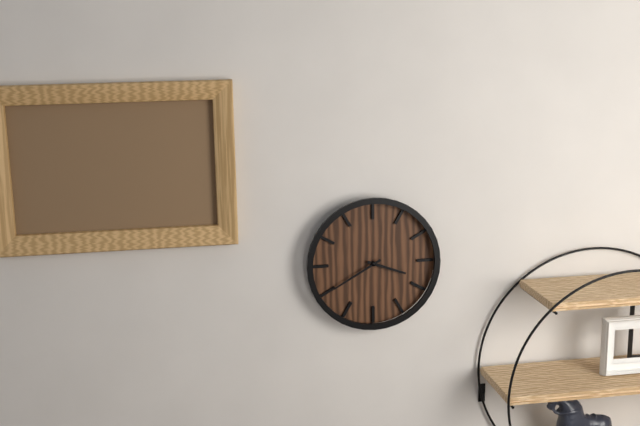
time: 3:40
